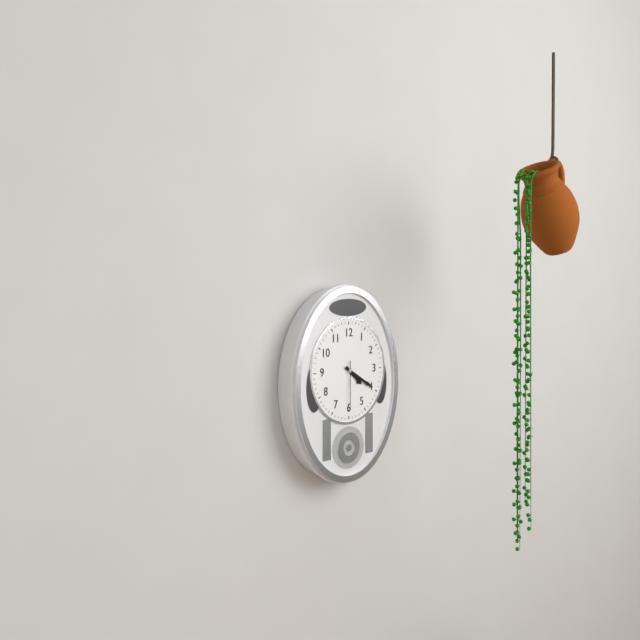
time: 4:20
